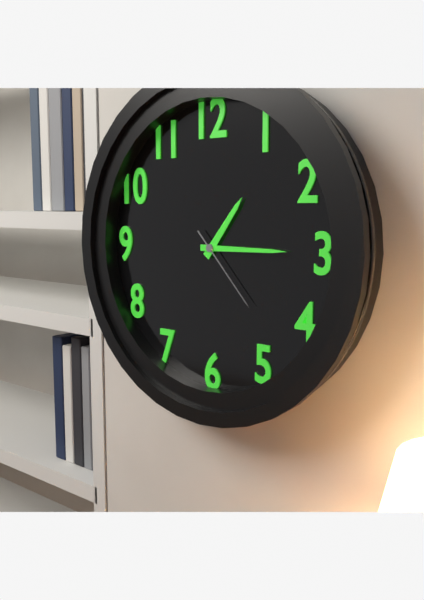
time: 1:15:23
